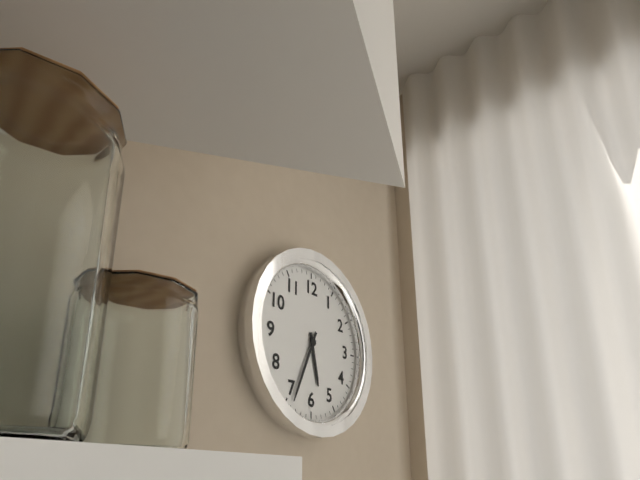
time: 5:34
